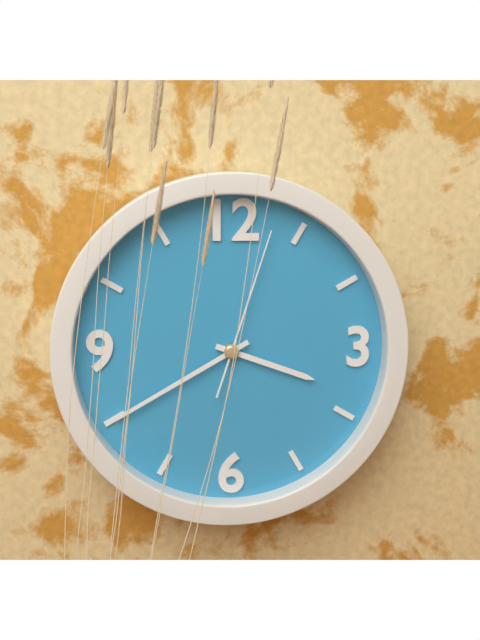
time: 3:40:03
